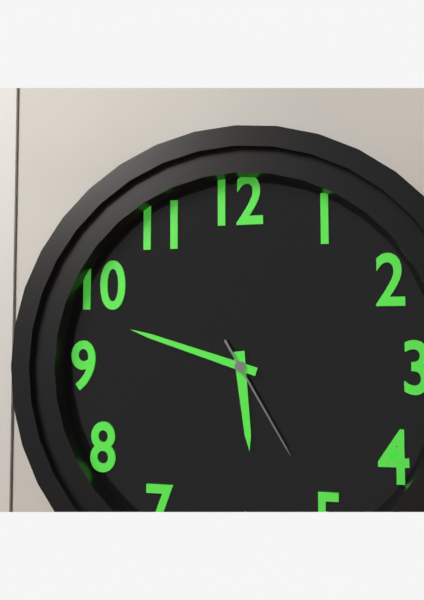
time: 5:48:25
